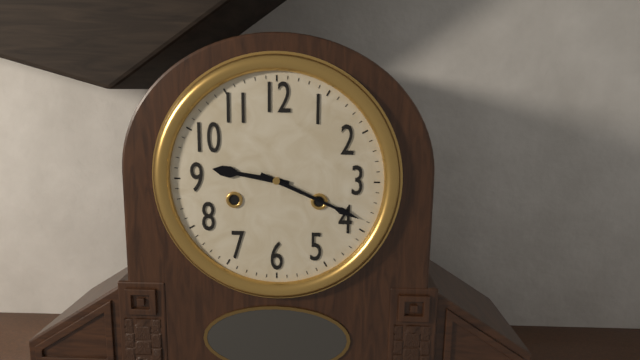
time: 9:19
